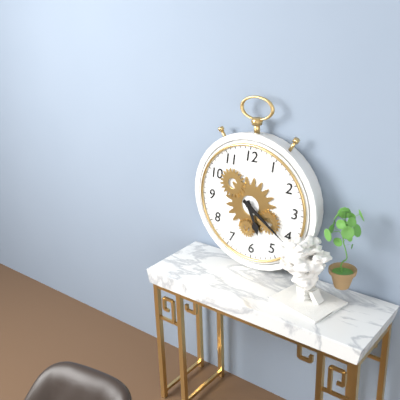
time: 5:21
